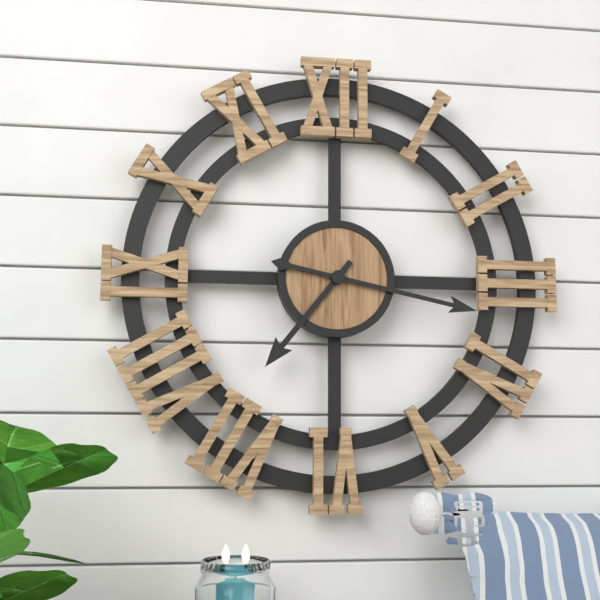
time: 7:17
